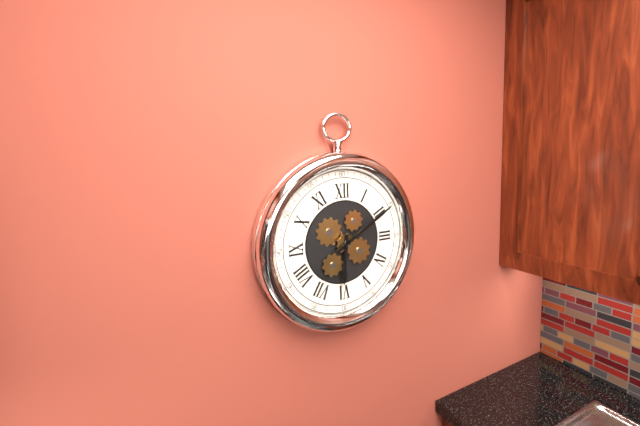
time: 6:10
